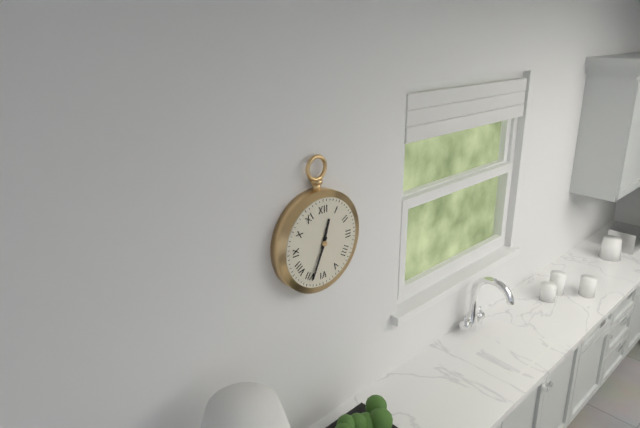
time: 12:34
